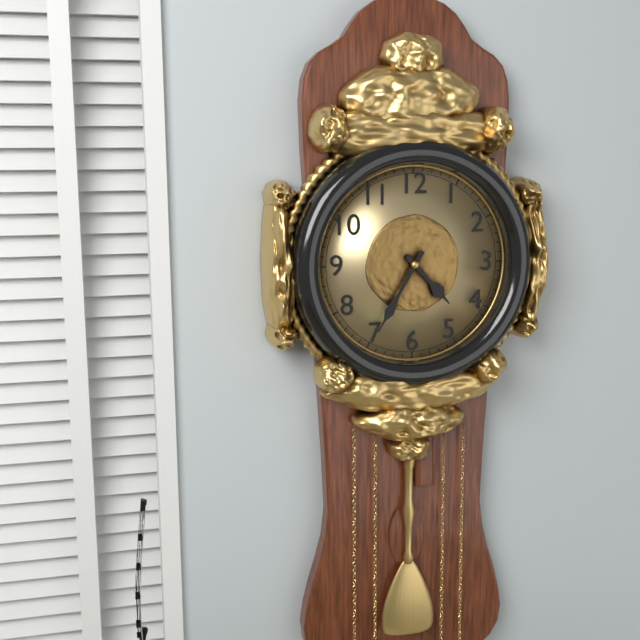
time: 4:35
